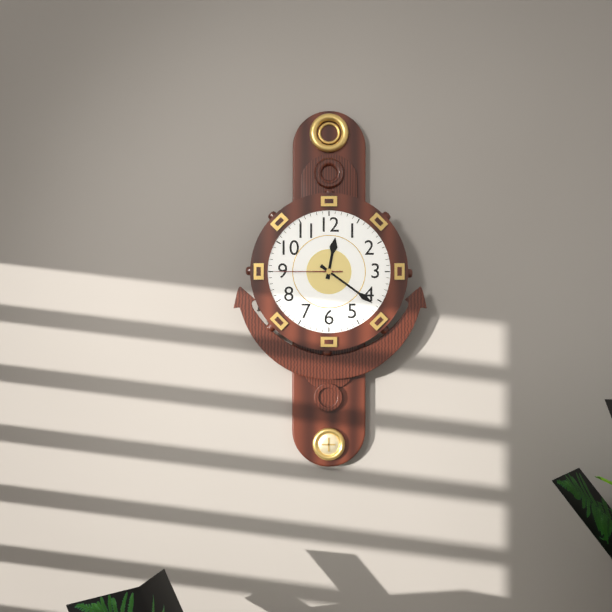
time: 12:21:45
